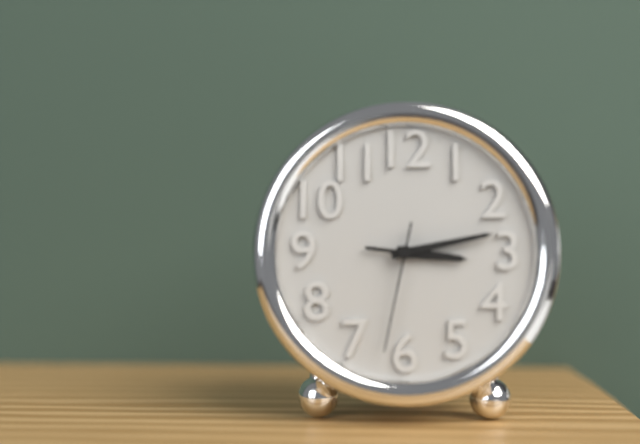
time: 3:13:32
